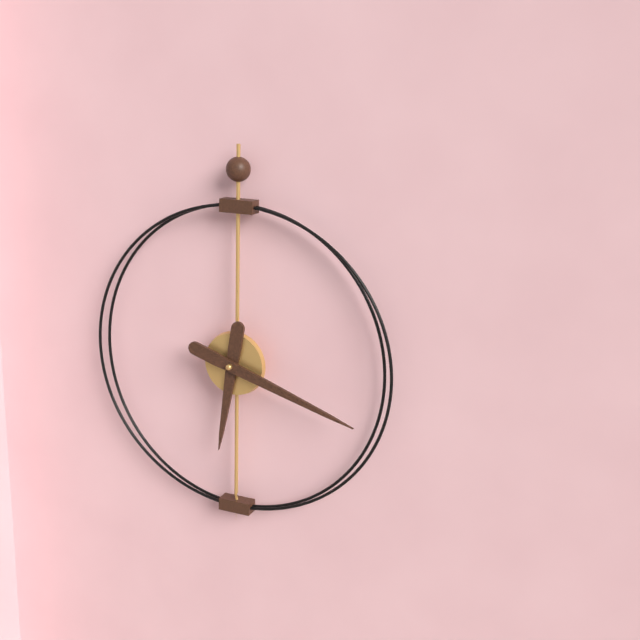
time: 6:18
